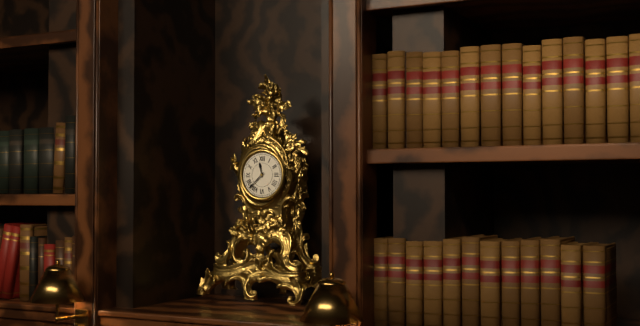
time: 11:38
